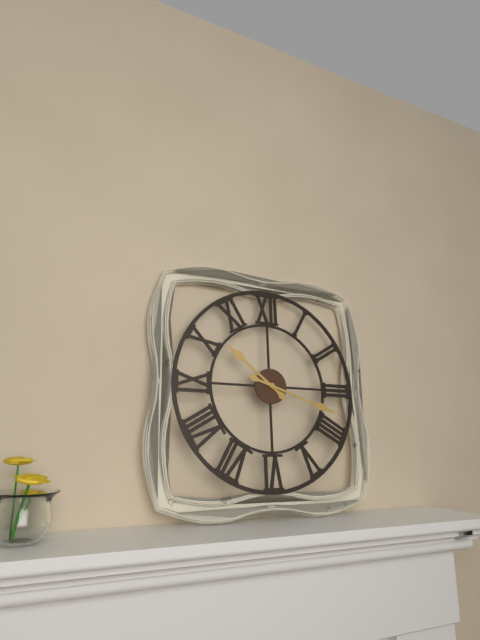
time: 10:18
